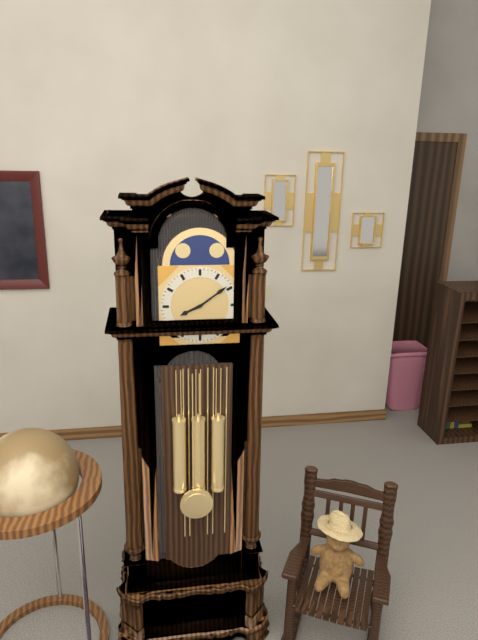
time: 8:09
